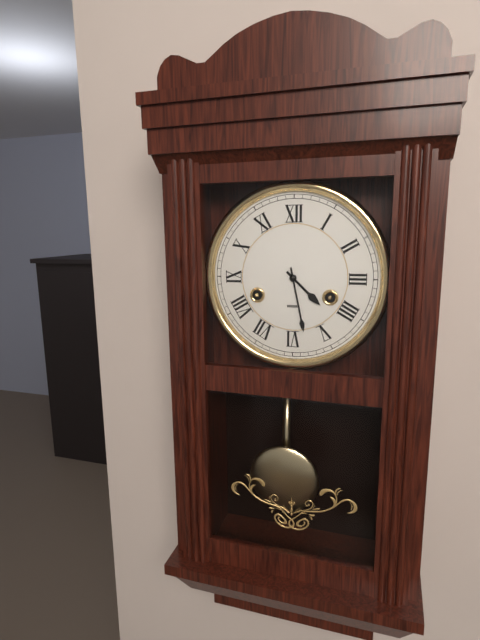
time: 4:28
